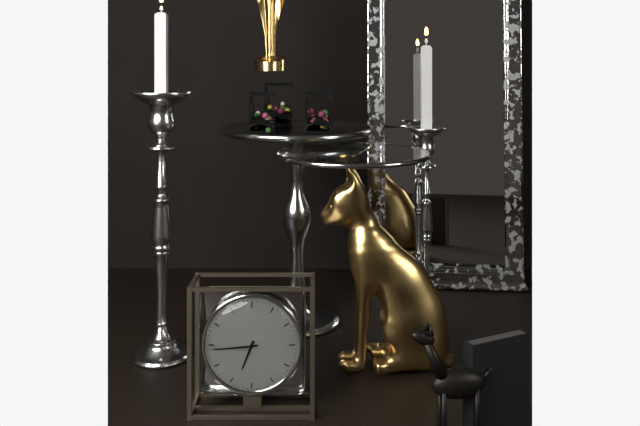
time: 6:44
